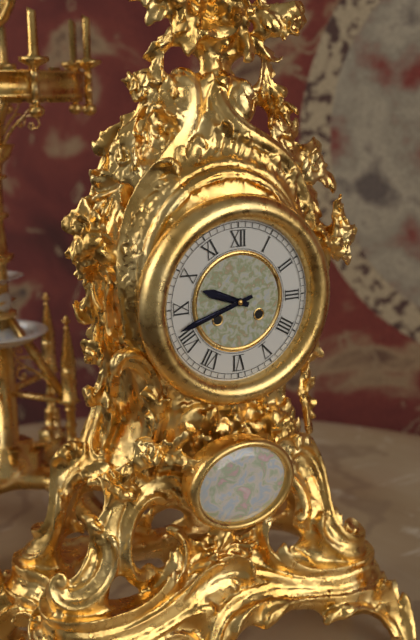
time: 9:42
